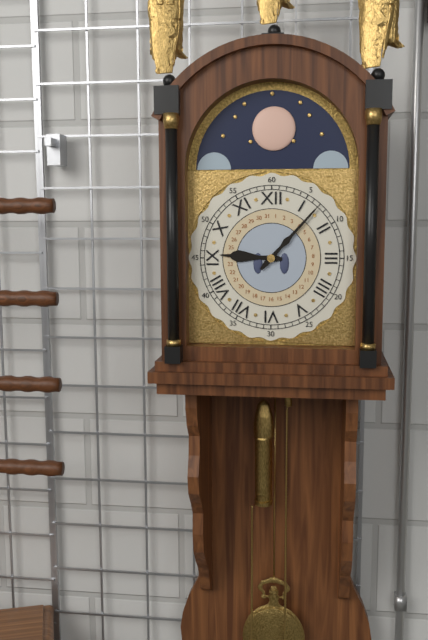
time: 9:07
